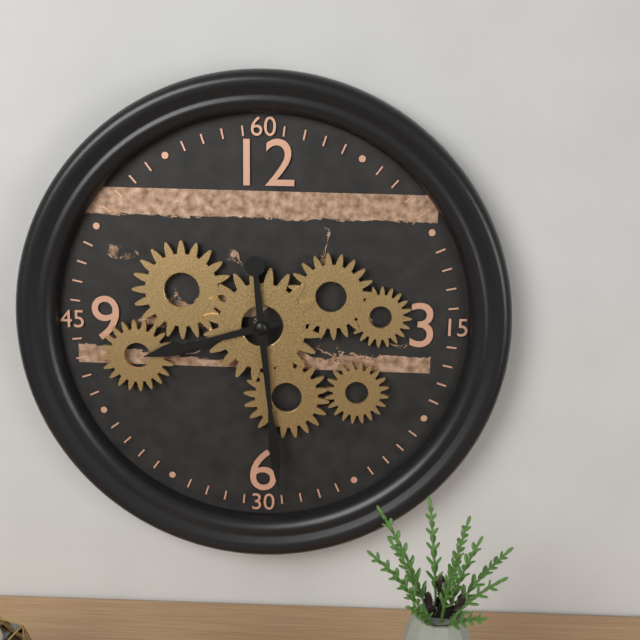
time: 8:29
